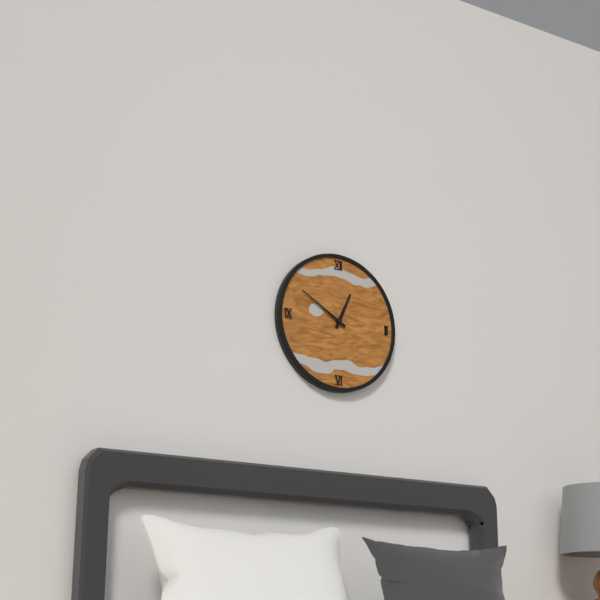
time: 12:50
